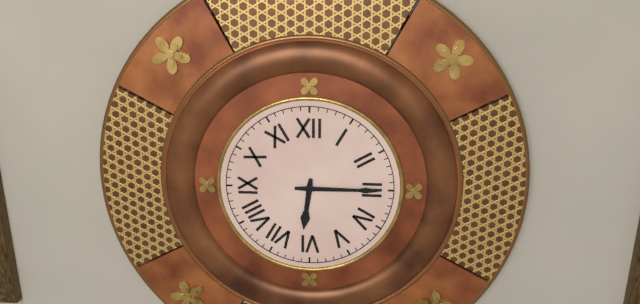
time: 6:15
